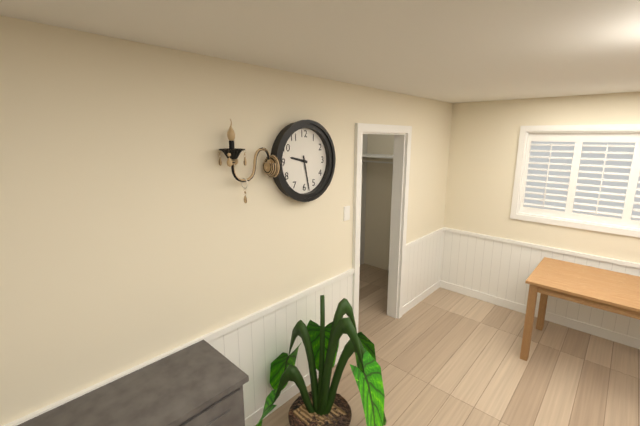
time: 9:28
